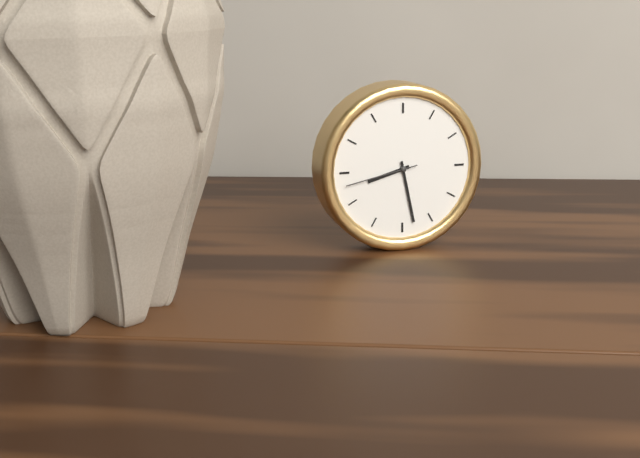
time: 8:28:43
